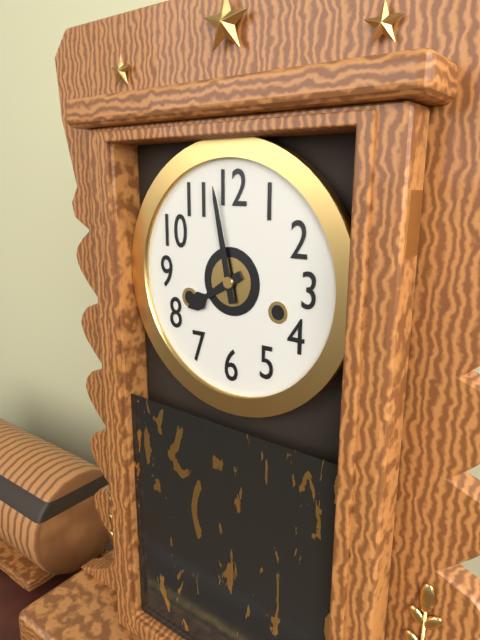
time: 7:58
